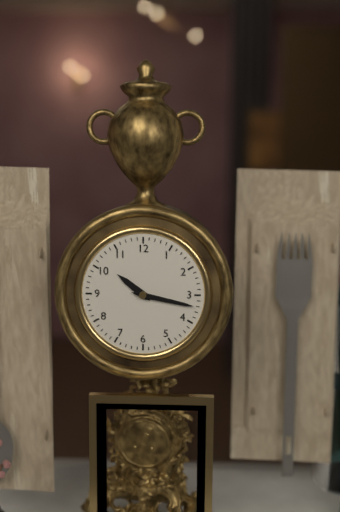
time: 10:17
